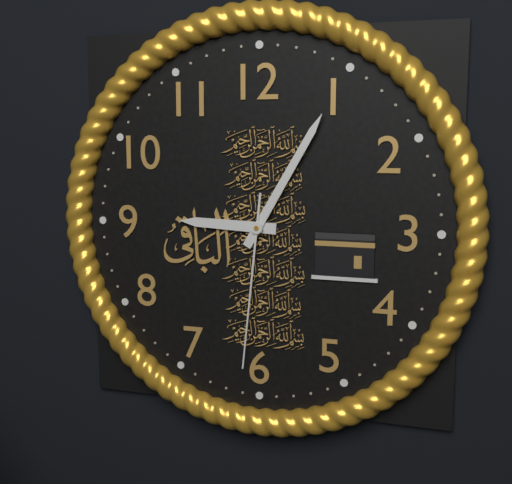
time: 9:05:31
